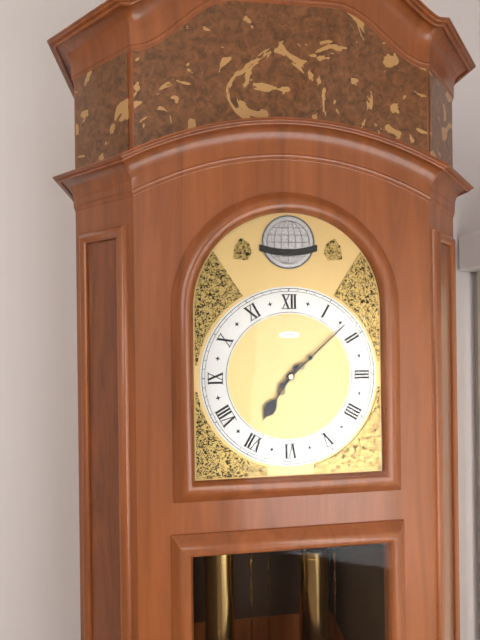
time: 7:08
